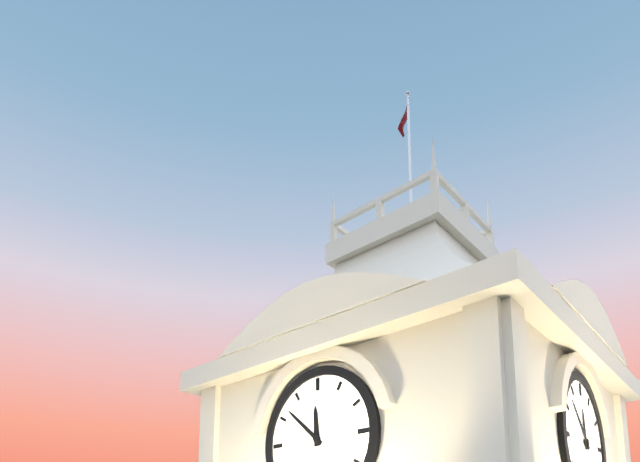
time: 11:52
